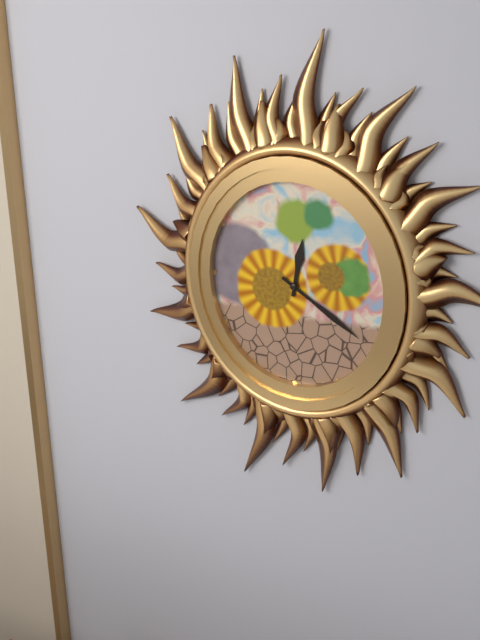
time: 12:20
